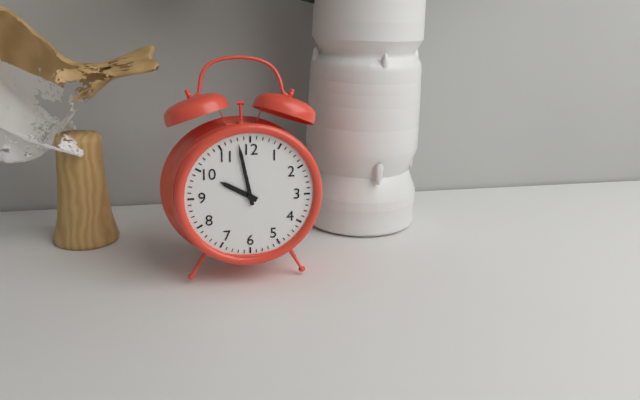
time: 9:58
